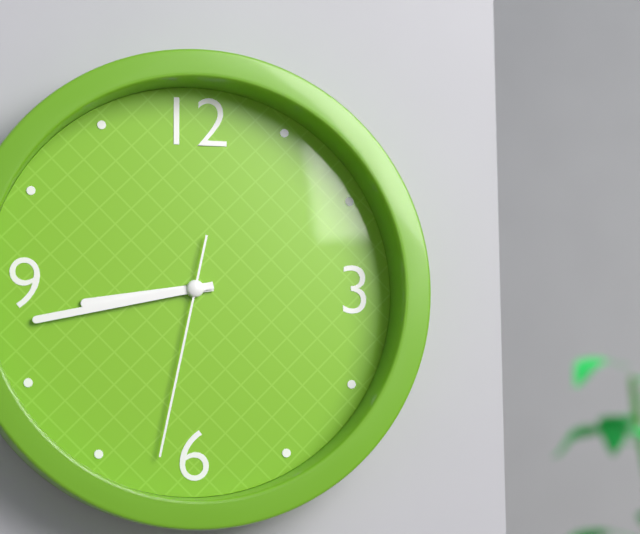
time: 8:43:32
